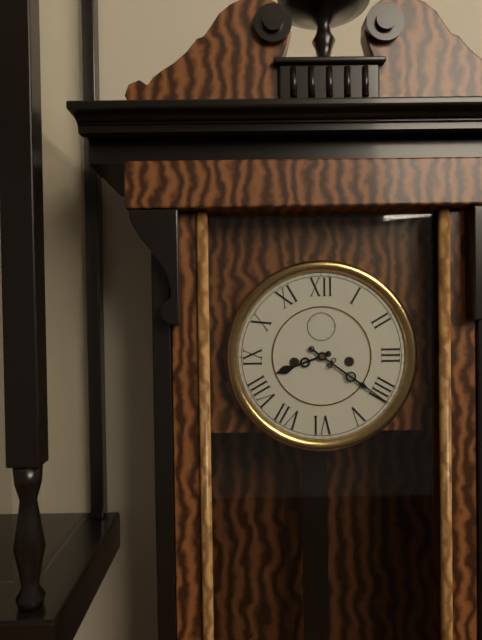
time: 8:21
